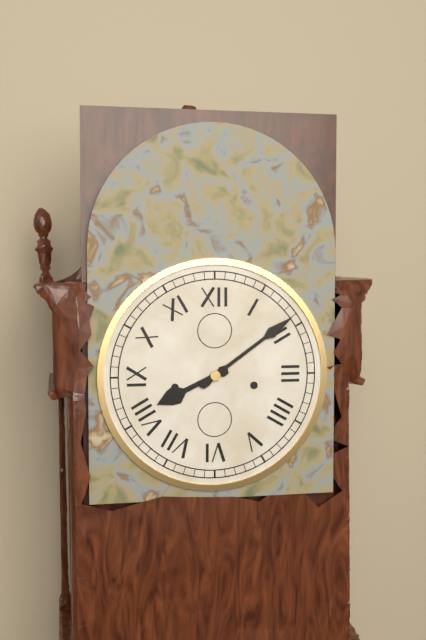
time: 8:09
